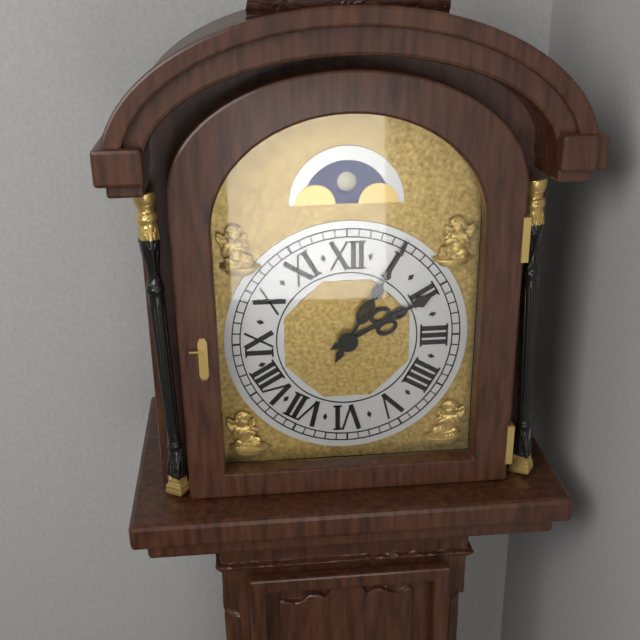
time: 2:05
